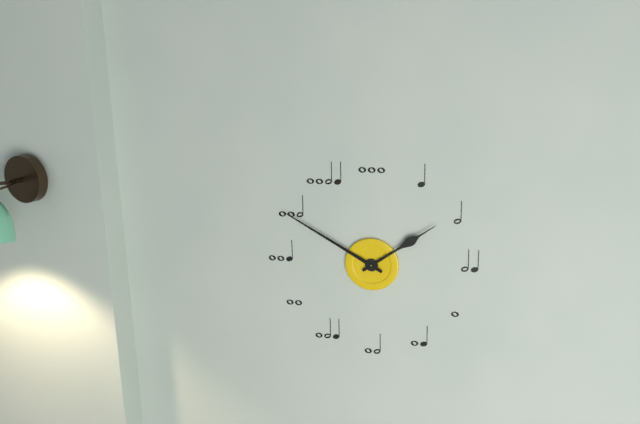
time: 1:50
